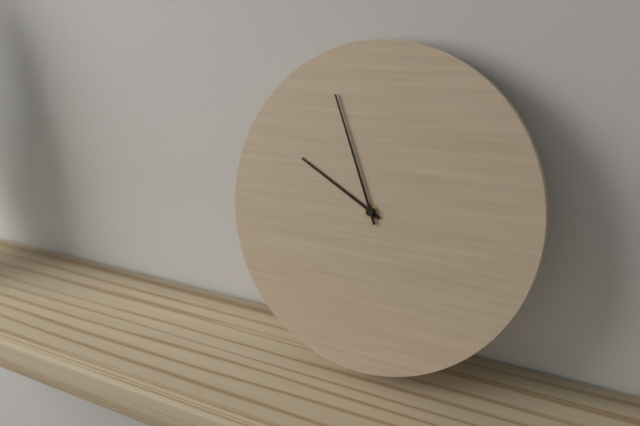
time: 9:56
